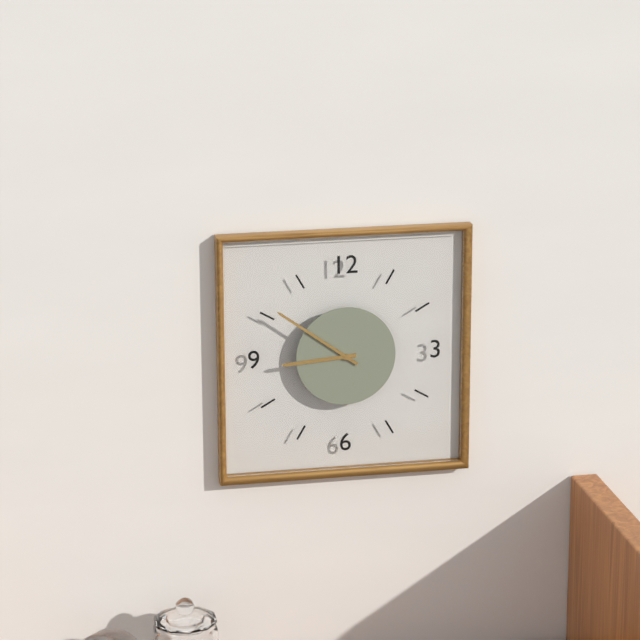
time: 8:51
